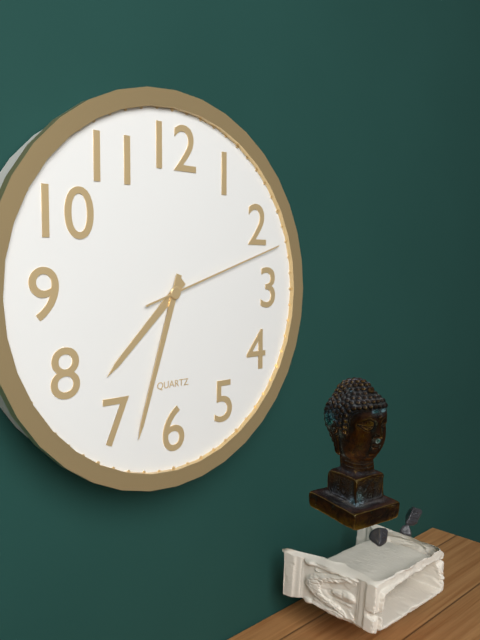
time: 7:33:12
